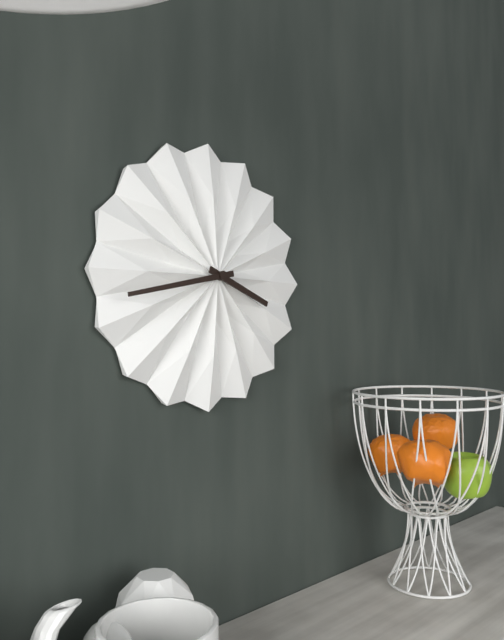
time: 3:43
